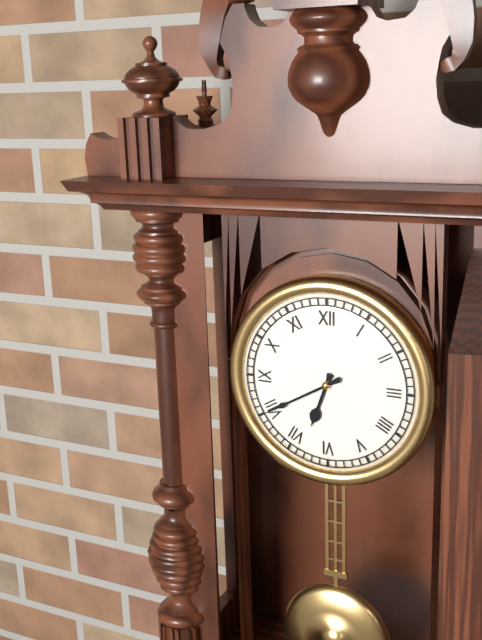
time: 6:40
